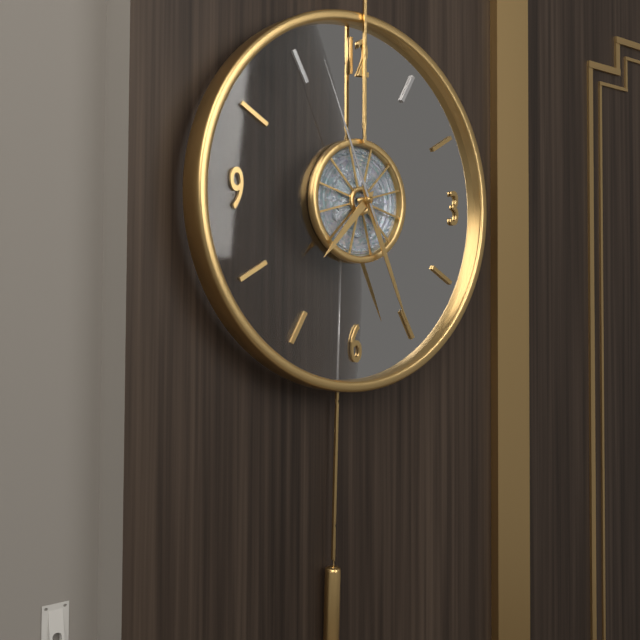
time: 7:26:56
